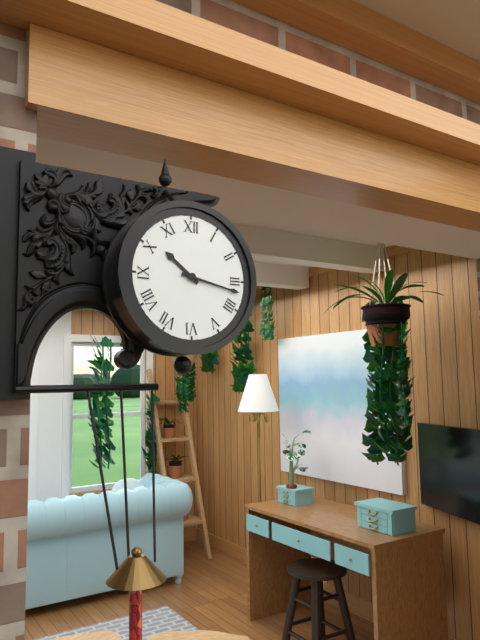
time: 10:17
